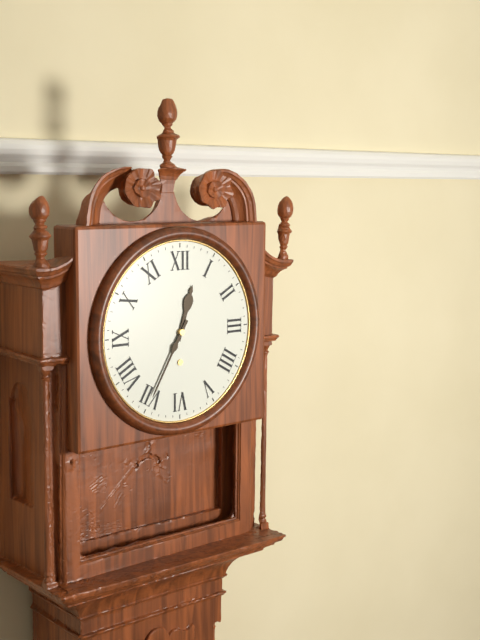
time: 12:35
